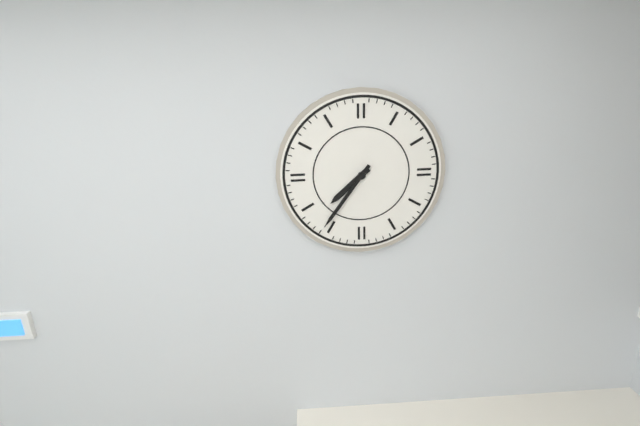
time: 7:36
